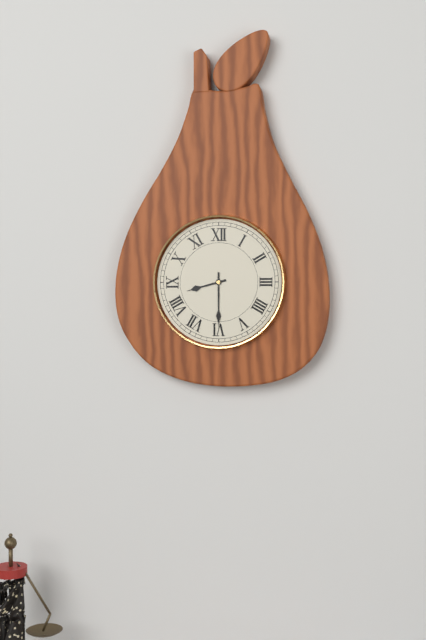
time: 8:30
